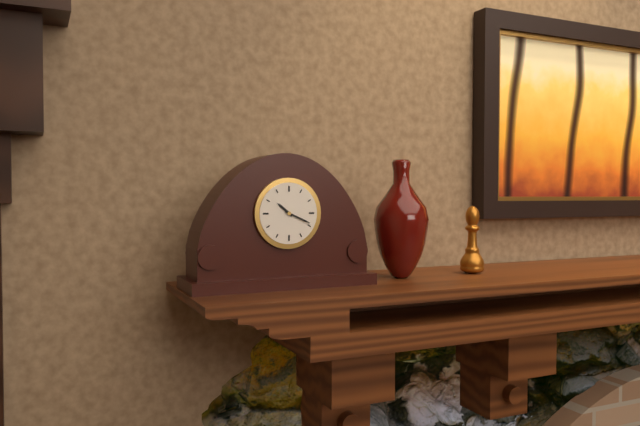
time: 10:19
